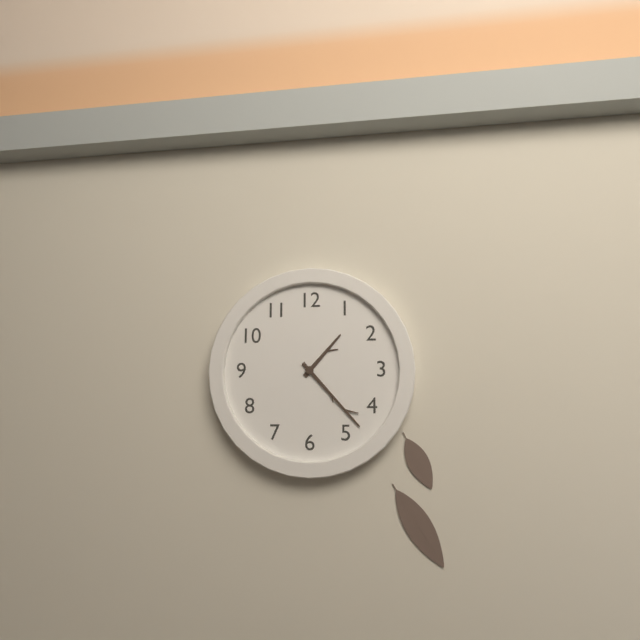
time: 1:23
